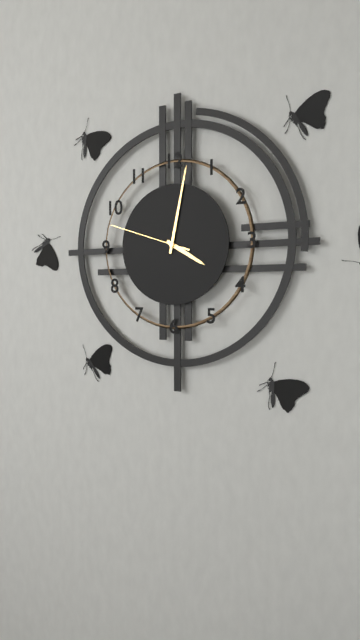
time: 4:02:48
